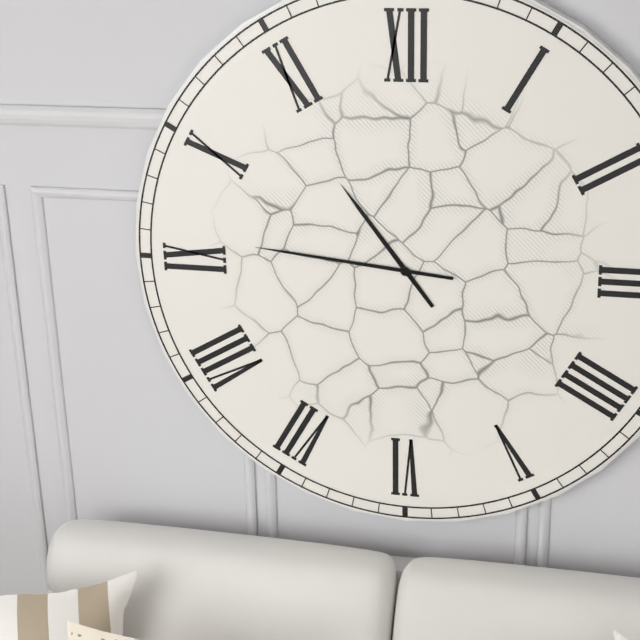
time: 10:46
